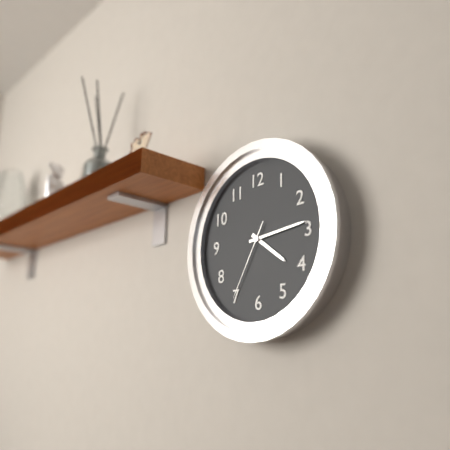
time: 4:14:35
